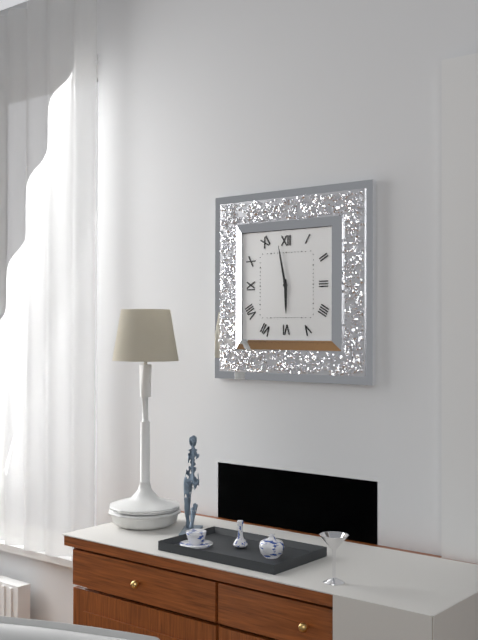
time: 5:58
